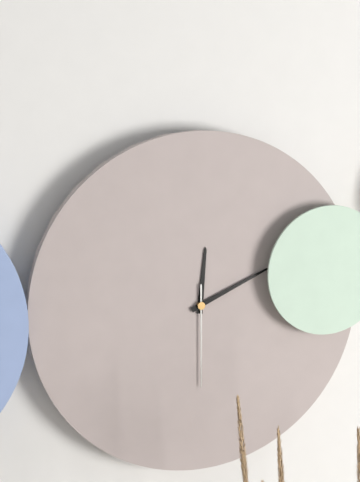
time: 12:11:30
